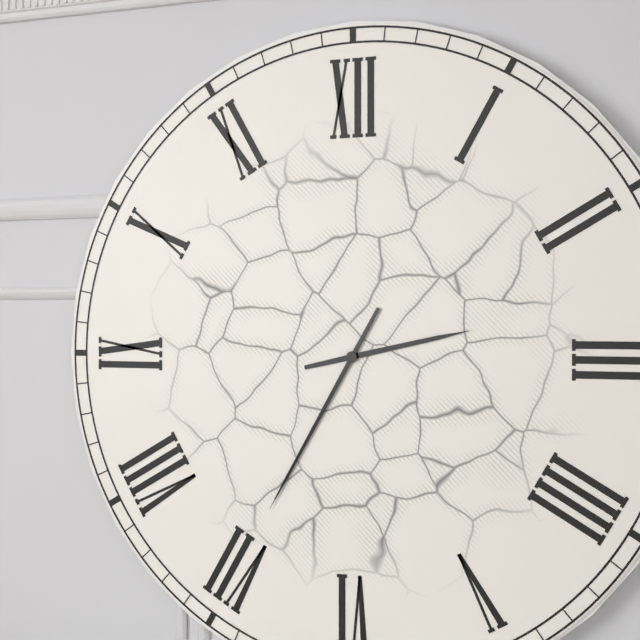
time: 2:35
